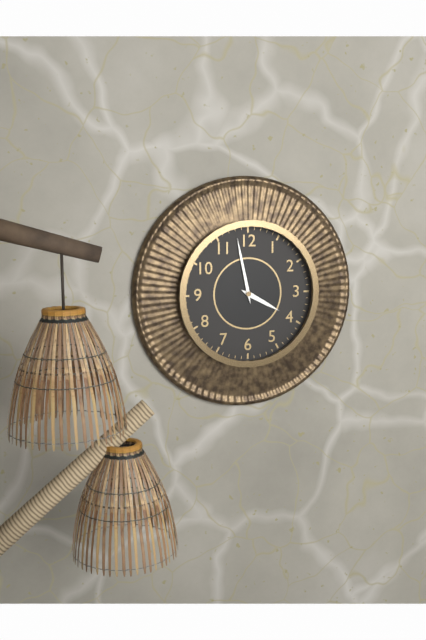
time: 3:58
